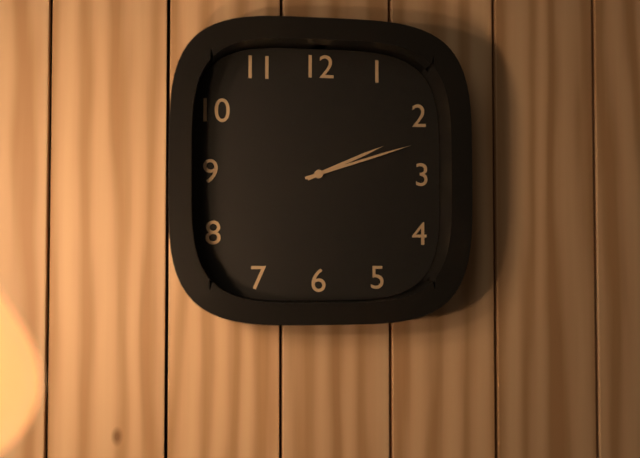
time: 2:12
